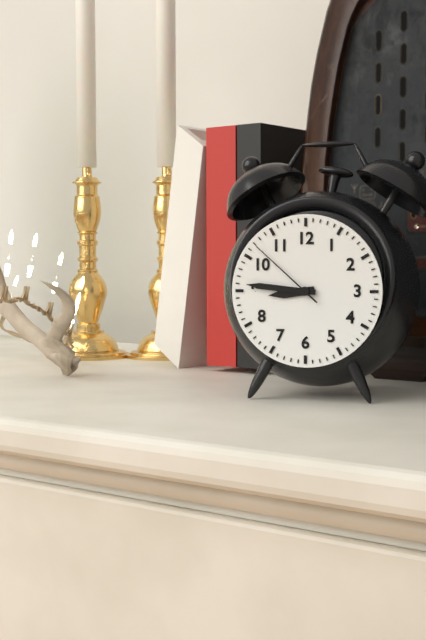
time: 8:46:52
